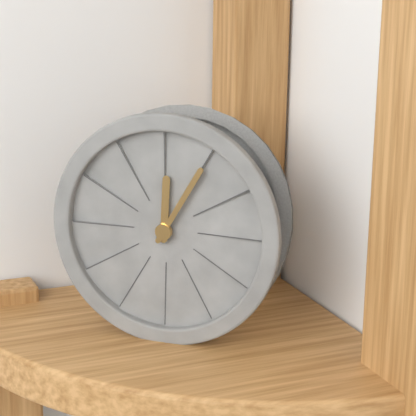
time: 12:05
